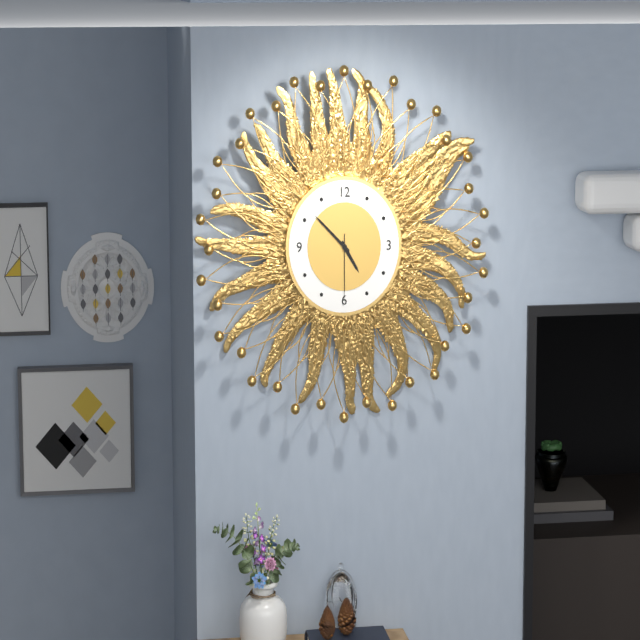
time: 4:52:30
